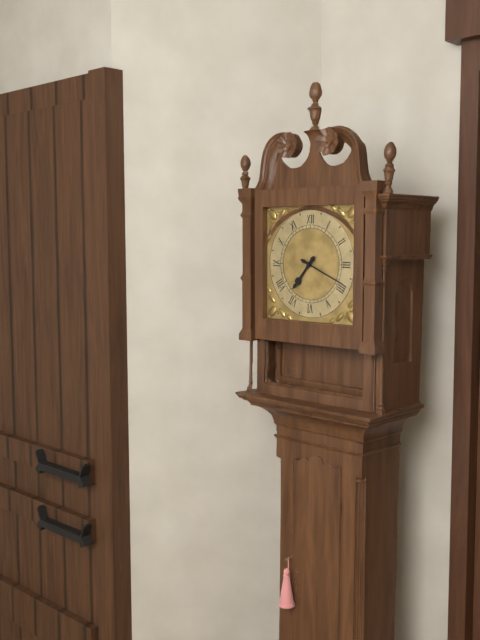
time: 7:19
